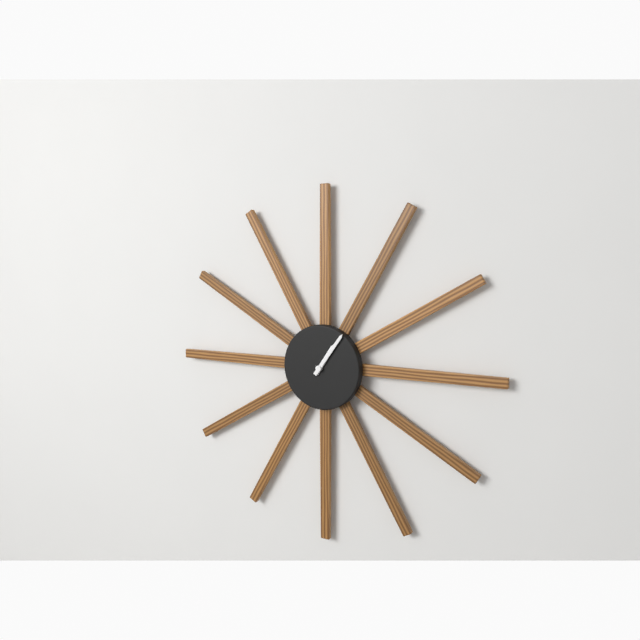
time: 1:06
